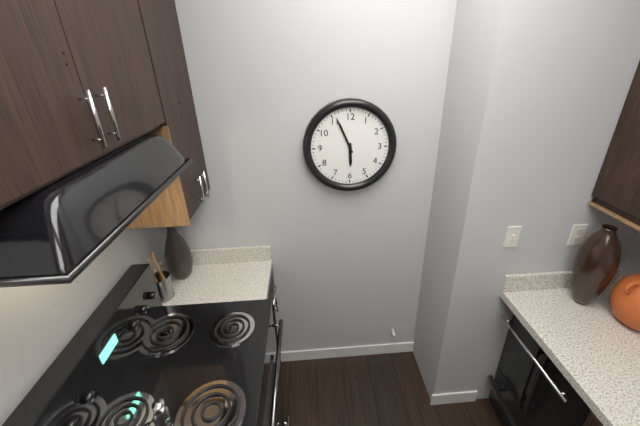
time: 5:56
